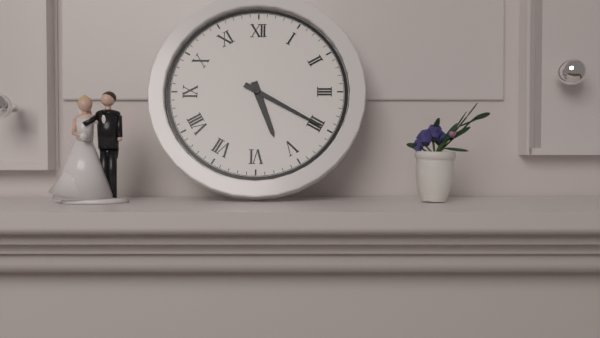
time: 5:20
